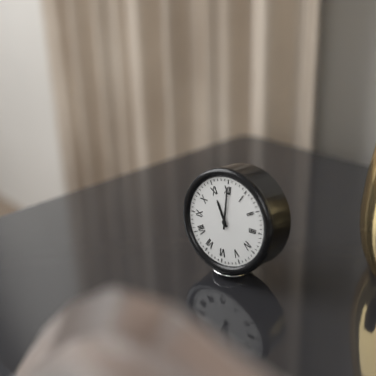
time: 11:00
